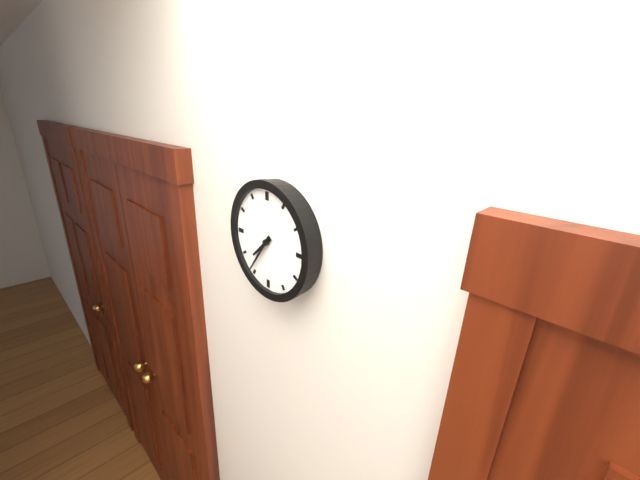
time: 7:36
